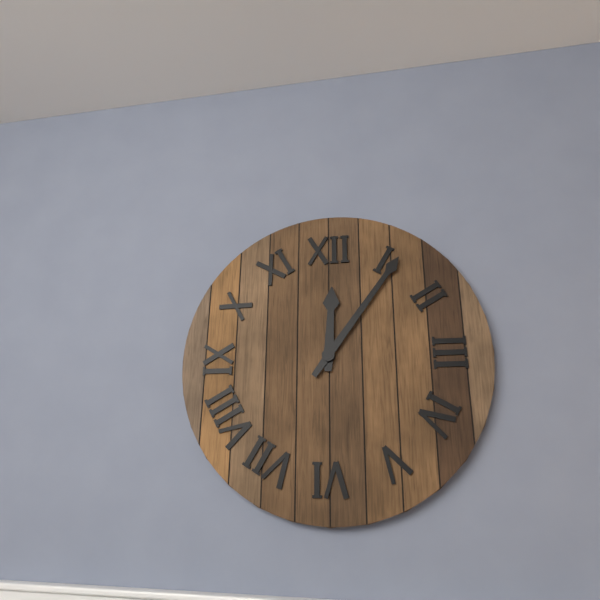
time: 12:06
